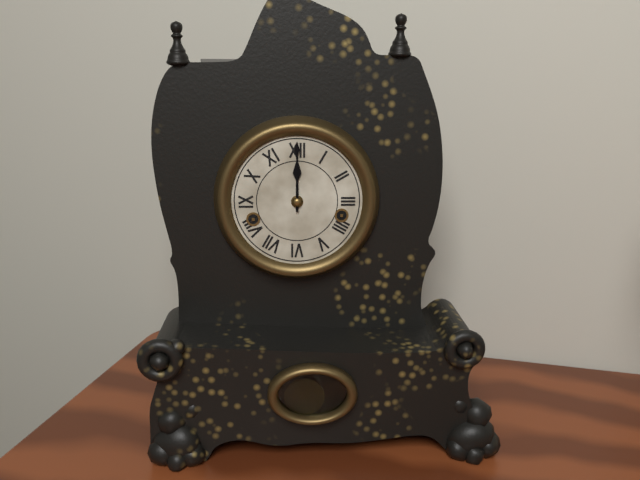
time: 12:00
